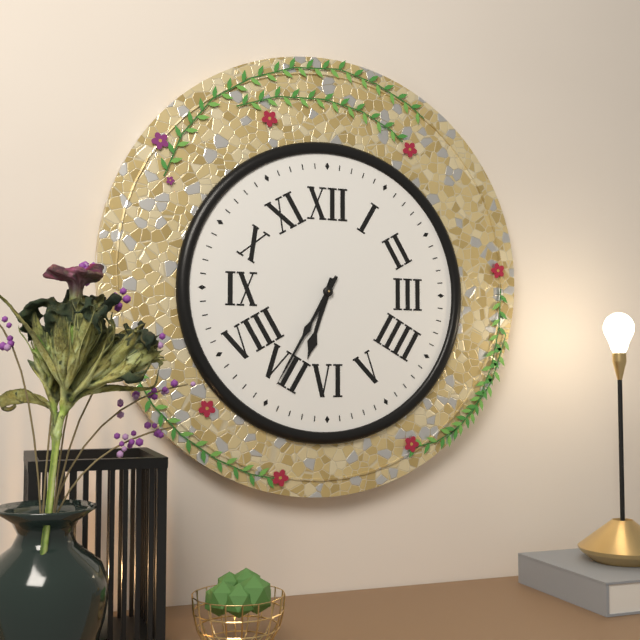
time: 6:35
